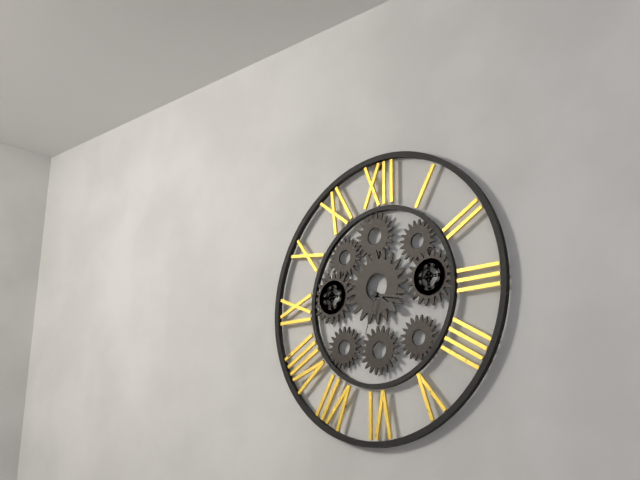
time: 4:17:33
